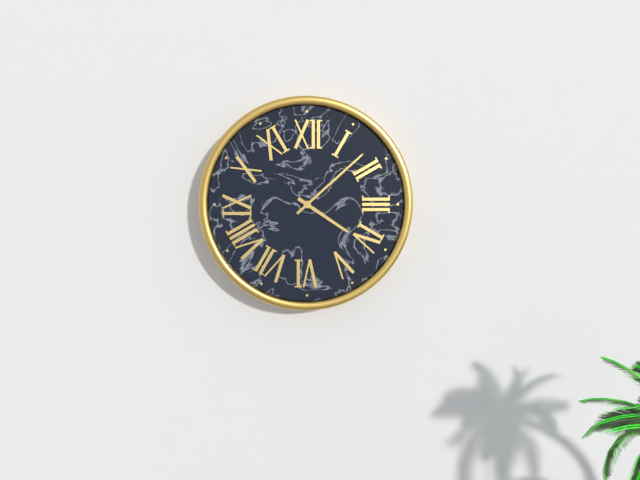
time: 4:08
